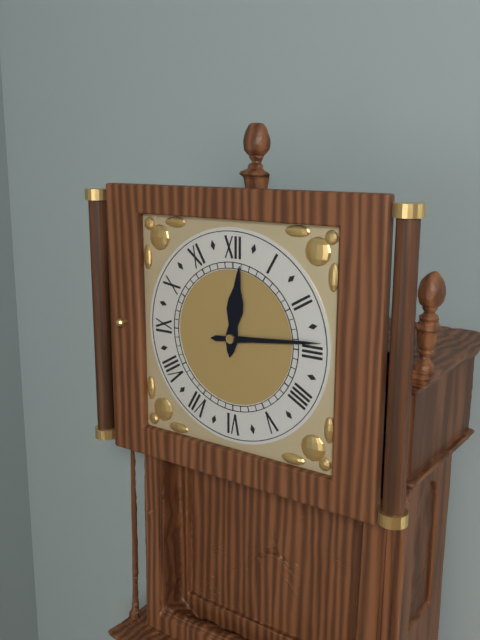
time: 12:14
